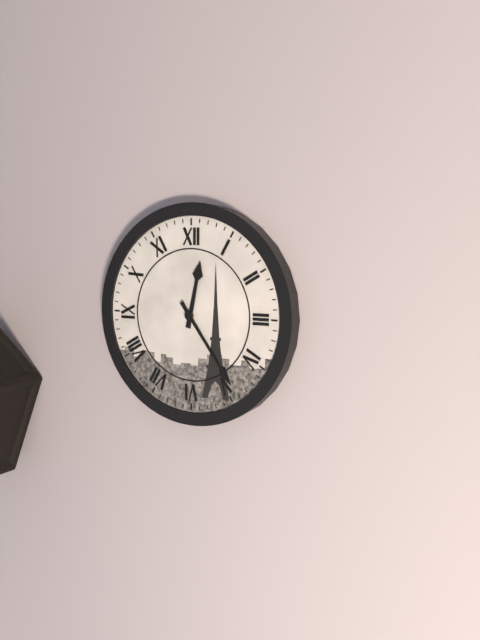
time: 12:24
